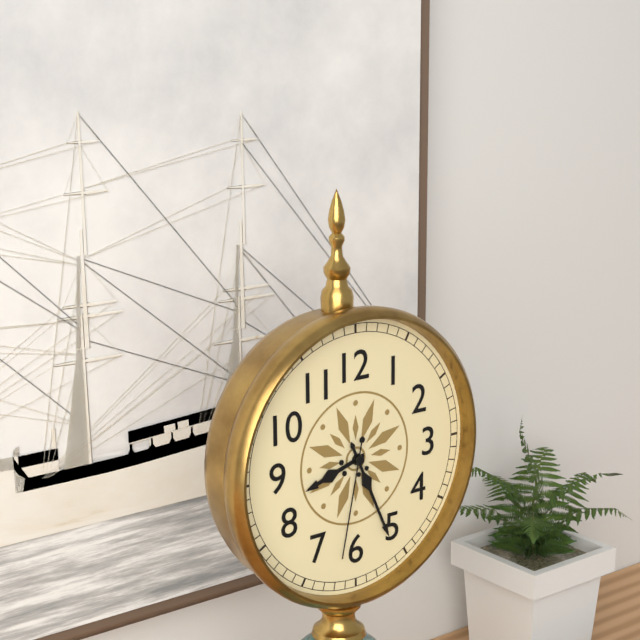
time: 8:26:32
